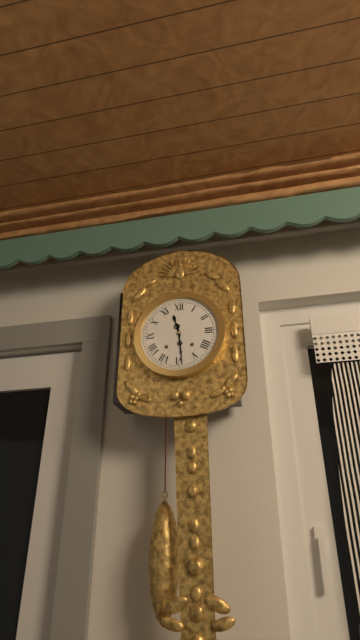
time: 11:29
